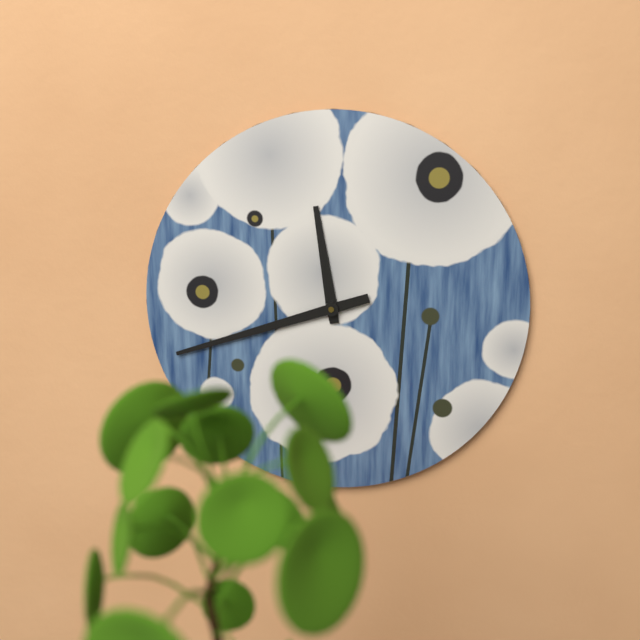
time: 11:42
